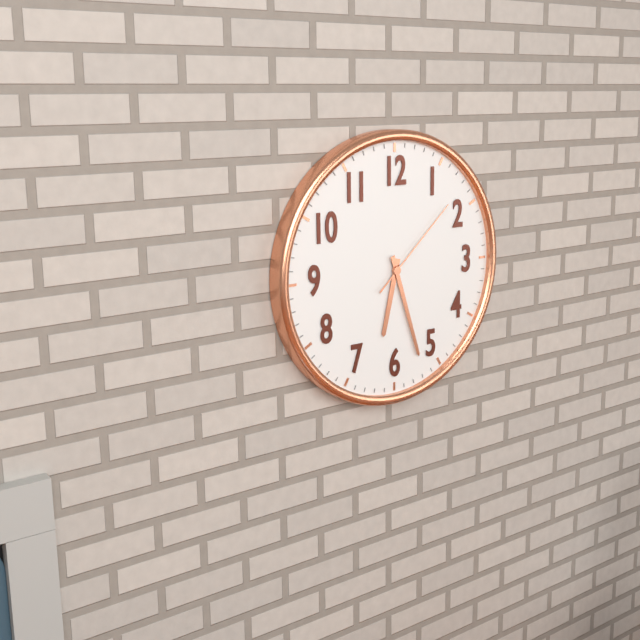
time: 6:27:08
